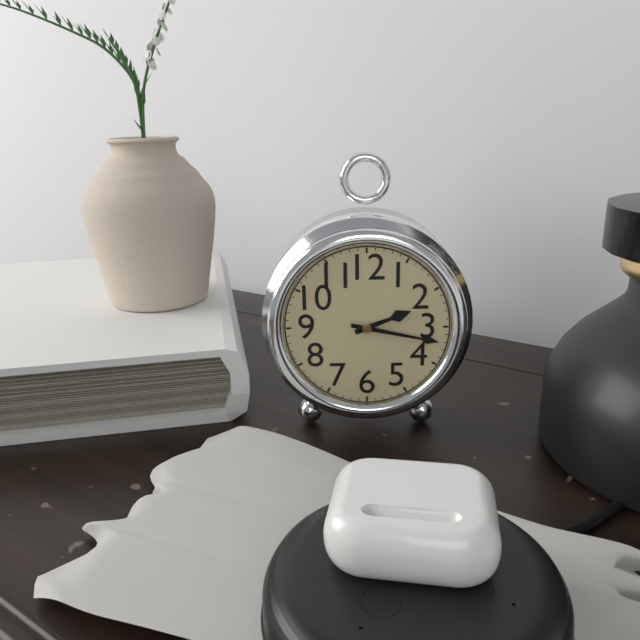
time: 2:17
